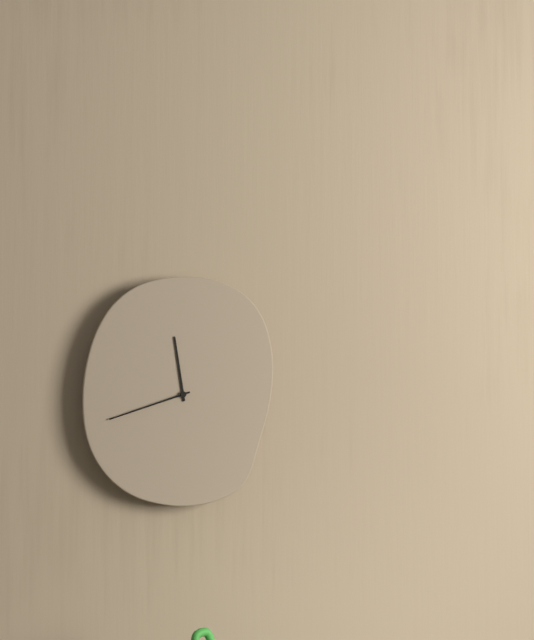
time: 11:42
